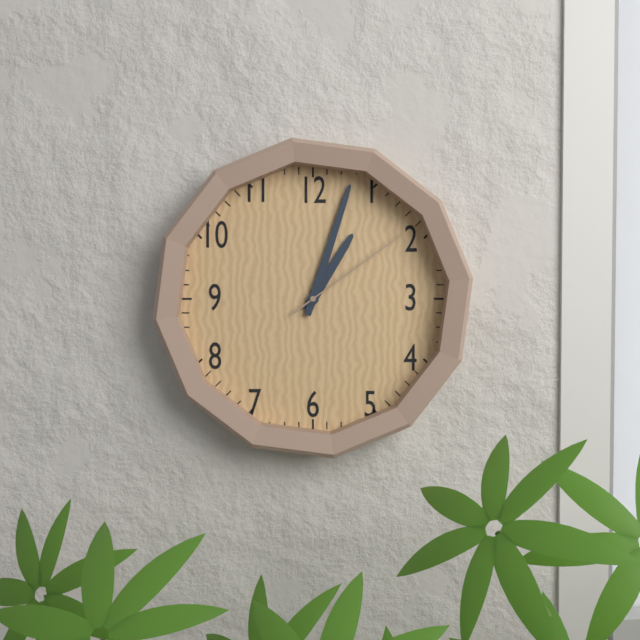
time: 1:03:09
